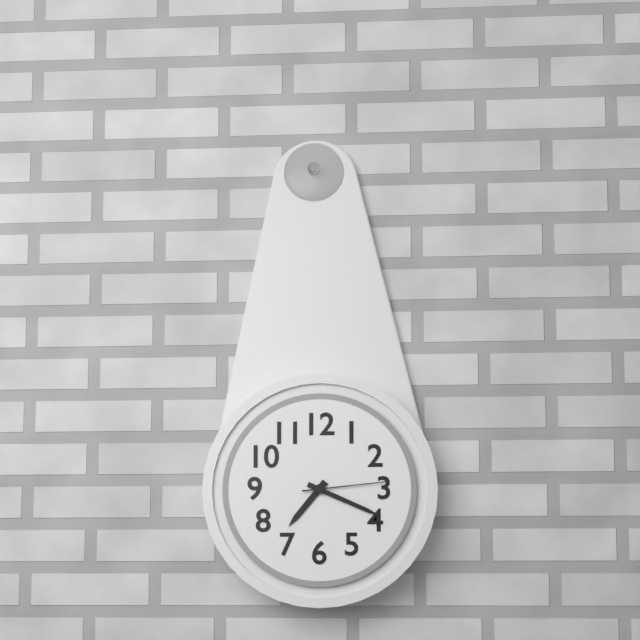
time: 7:19:14
